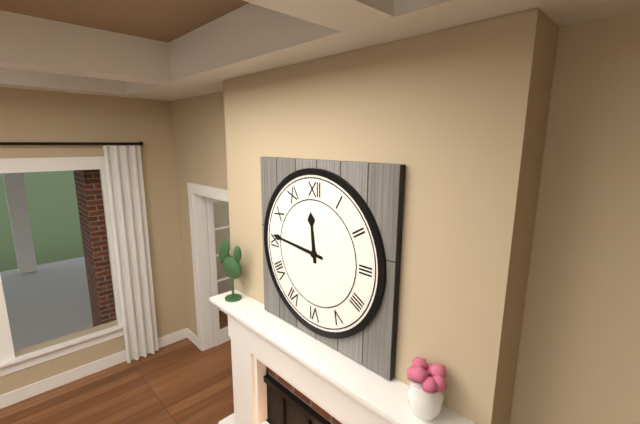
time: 11:46
